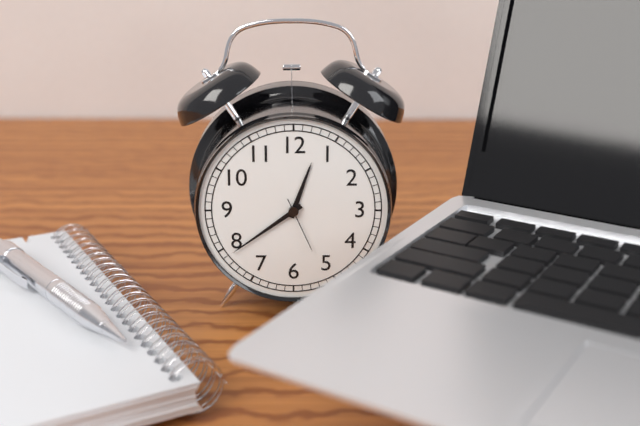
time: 12:39:26
